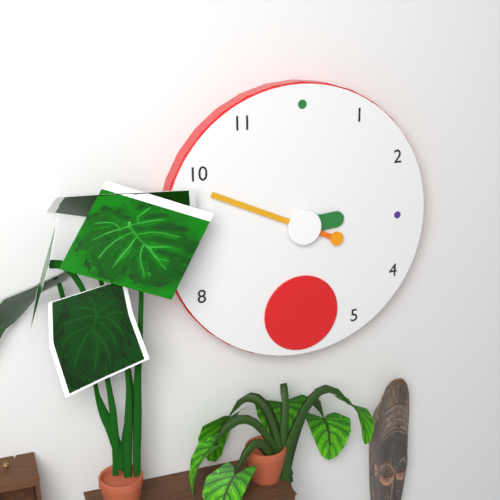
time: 2:49
